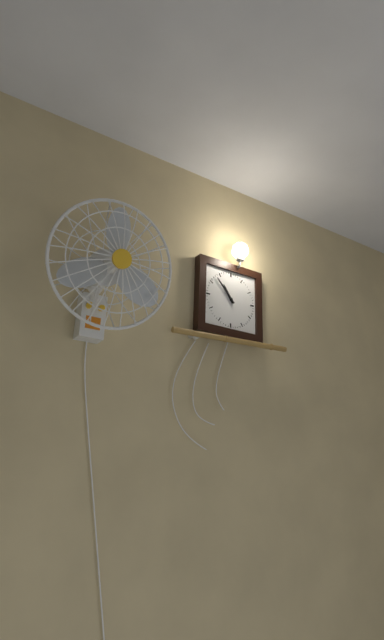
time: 10:53
